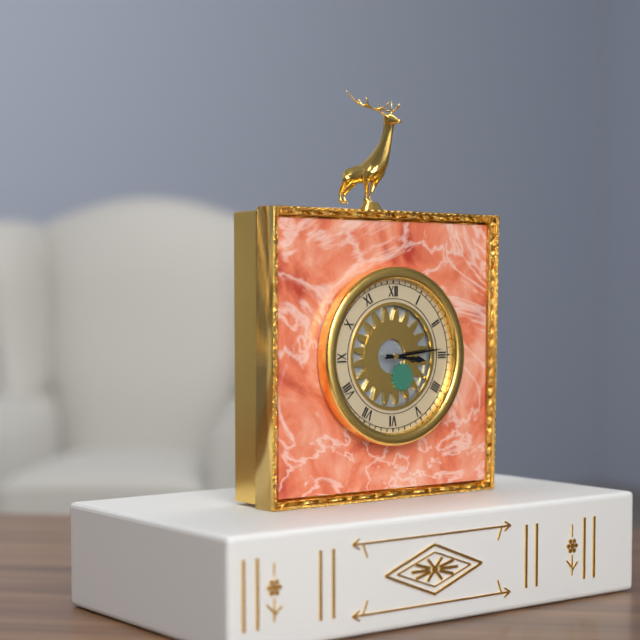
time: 3:14
